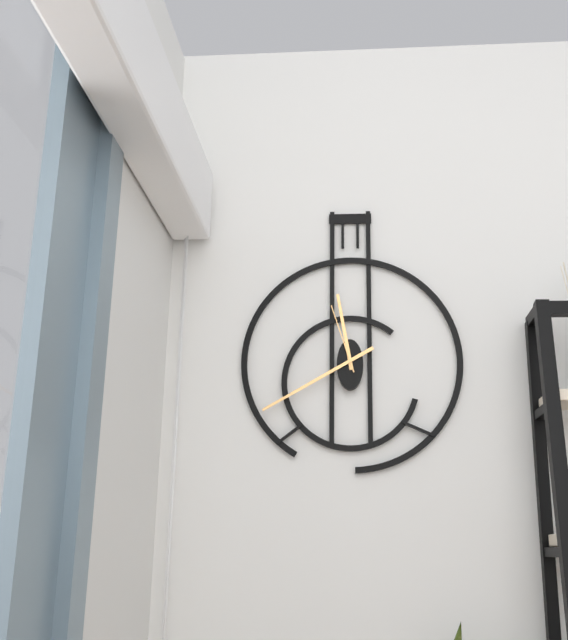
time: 11:40:57
